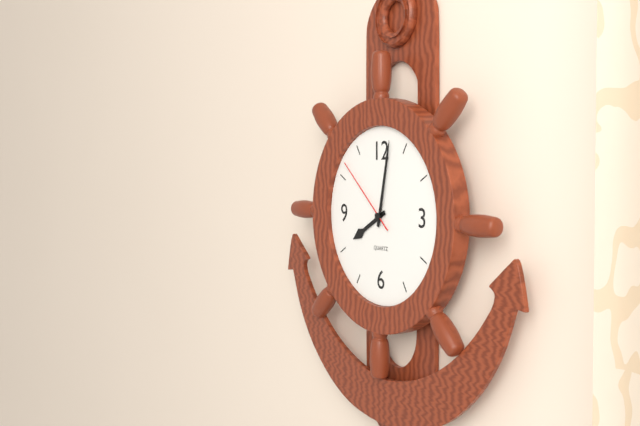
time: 8:02:52
